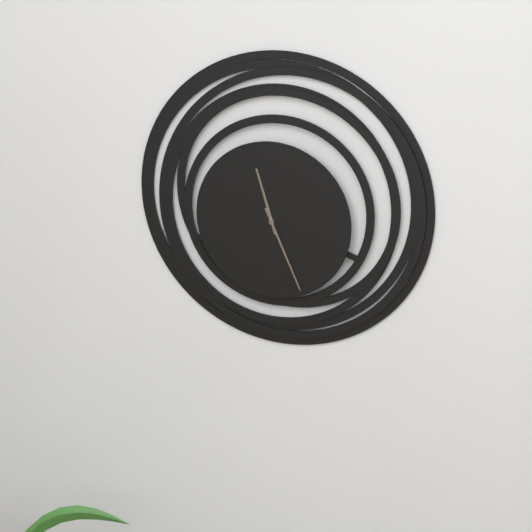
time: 11:26
